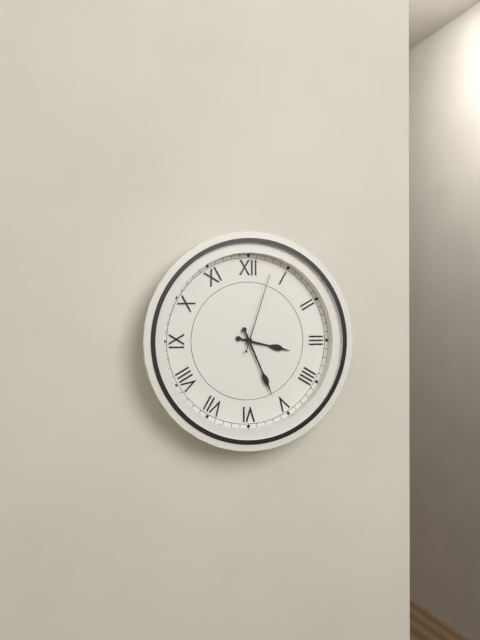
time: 3:26:03
